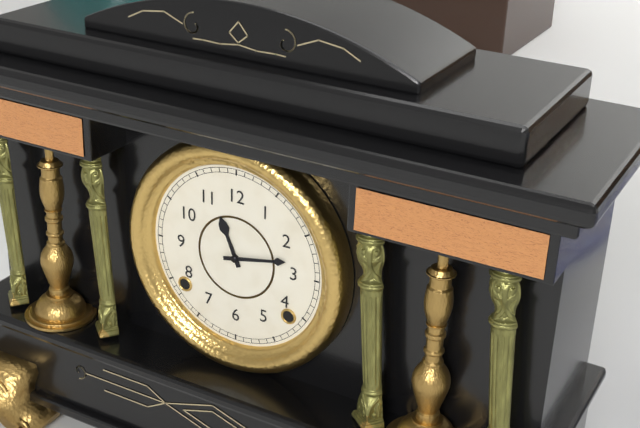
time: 11:13
